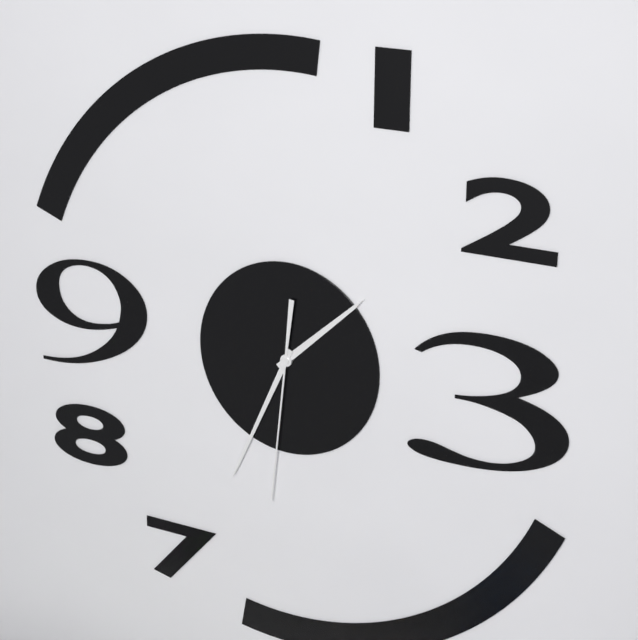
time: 1:34:31
